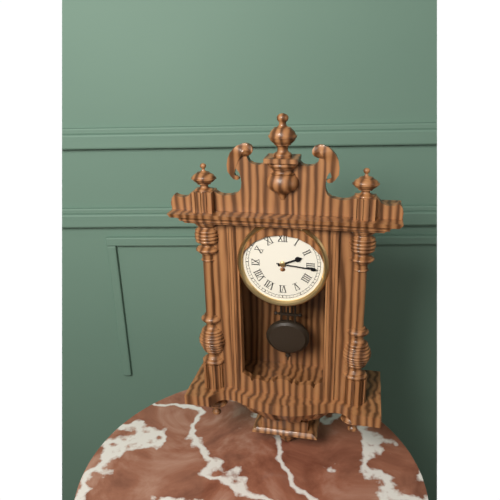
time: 2:16
